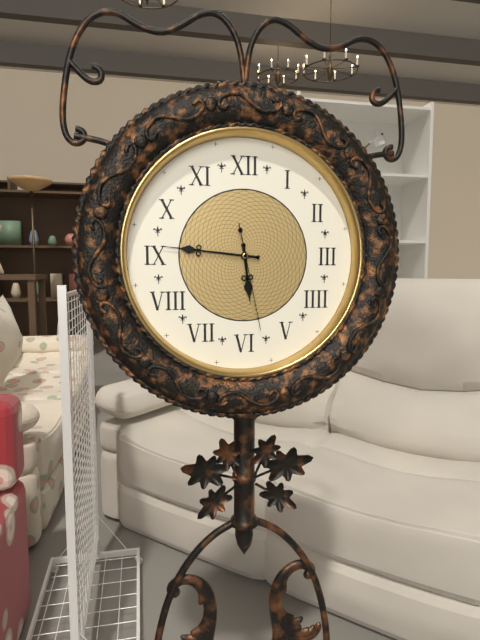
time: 5:46:28
